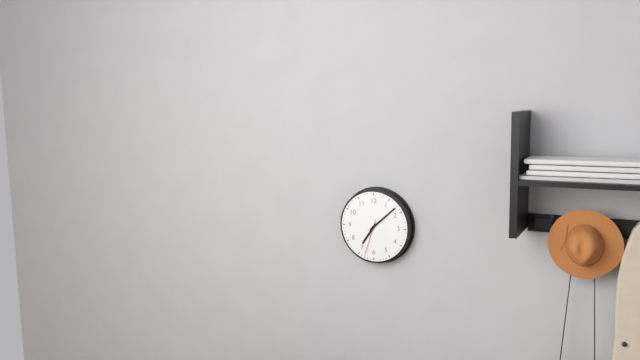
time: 7:08
